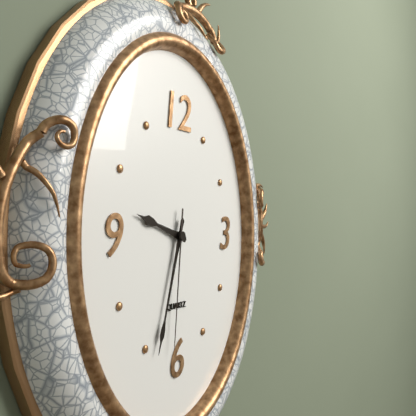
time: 9:33:31
